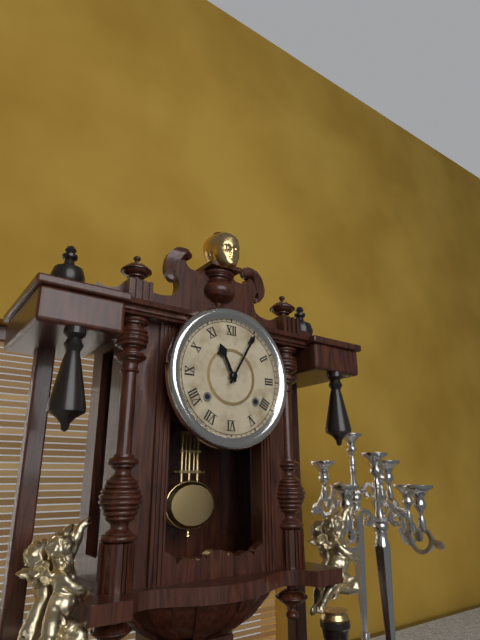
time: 11:05
